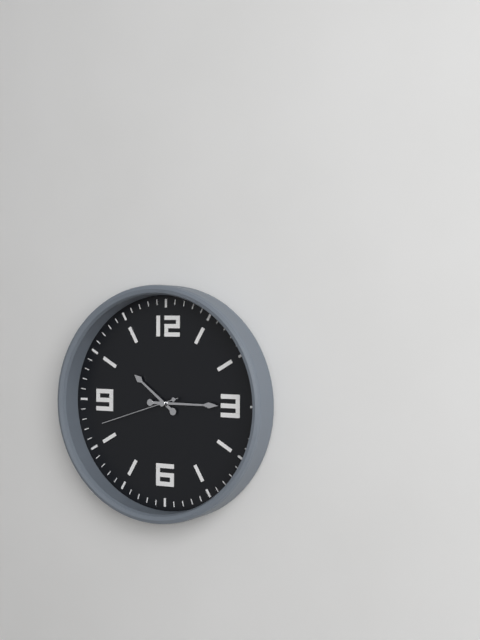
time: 10:15:42
